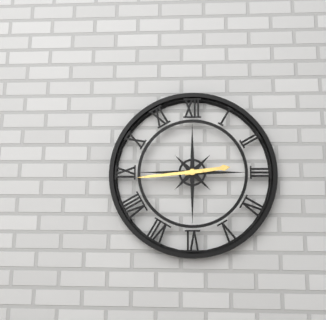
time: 2:44
